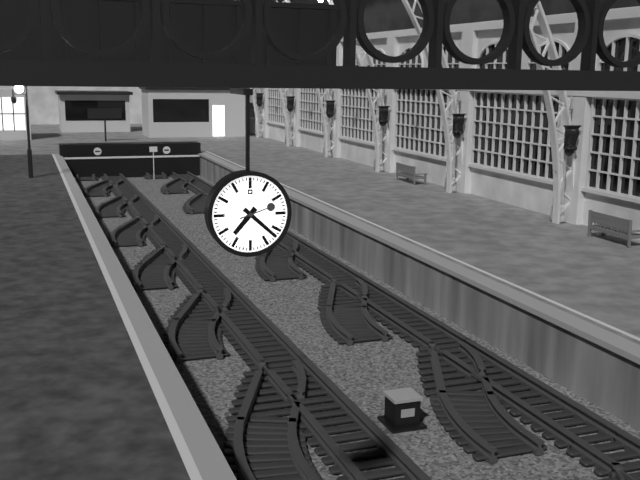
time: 7:22
